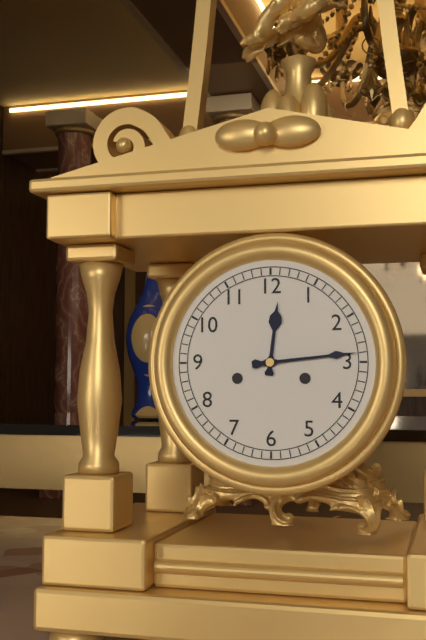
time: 12:14
